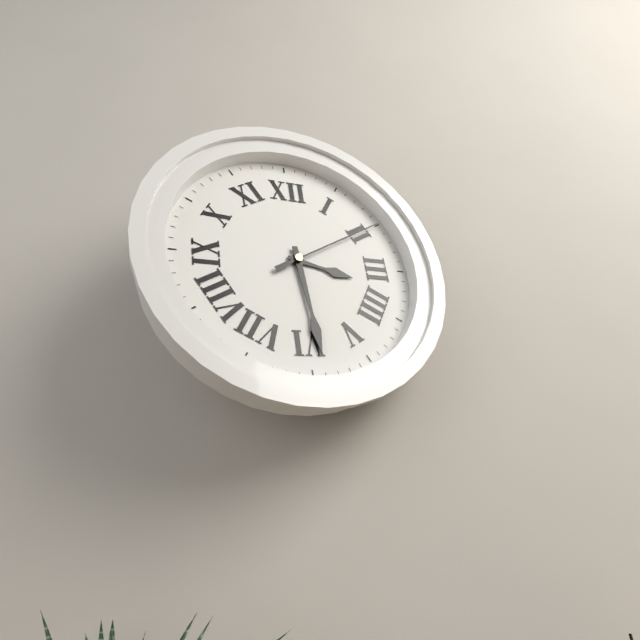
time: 3:29:10
